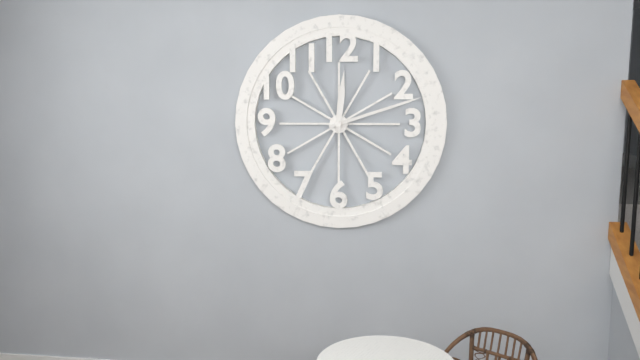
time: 12:12
